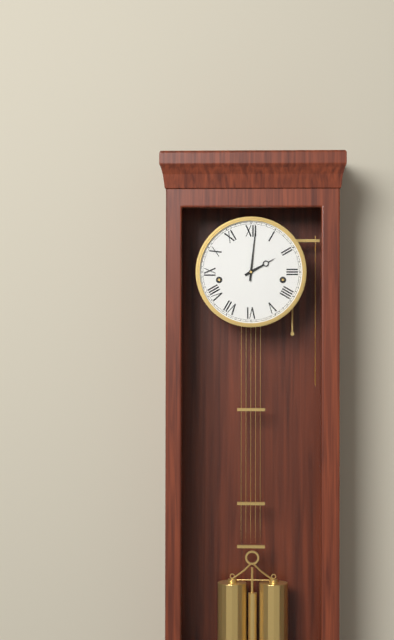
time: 2:01
